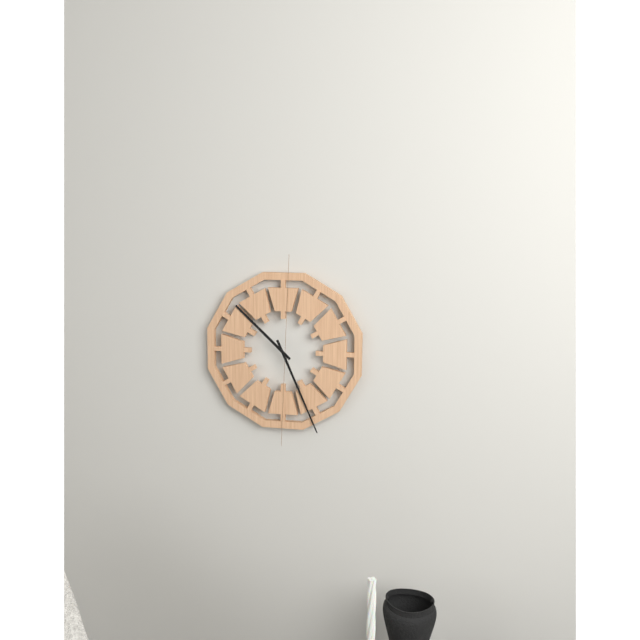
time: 10:26
